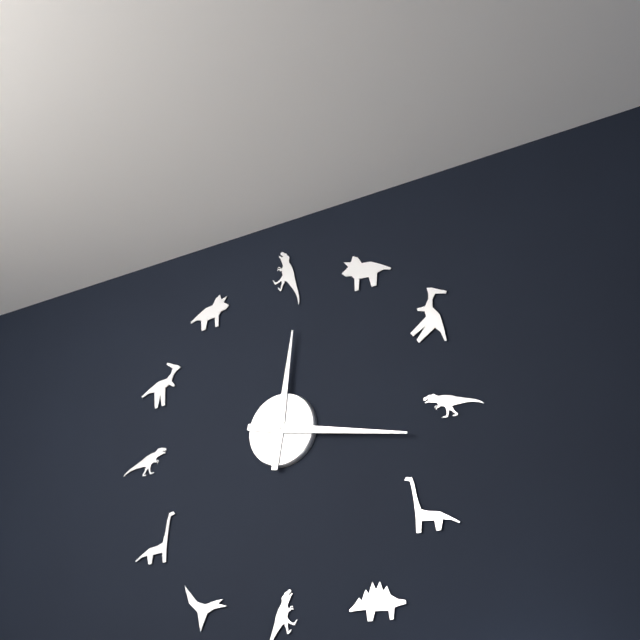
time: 12:17
